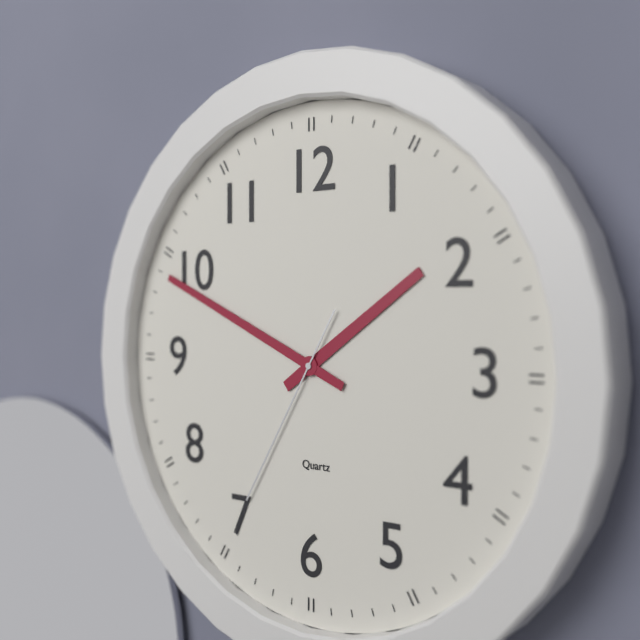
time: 1:49:35
